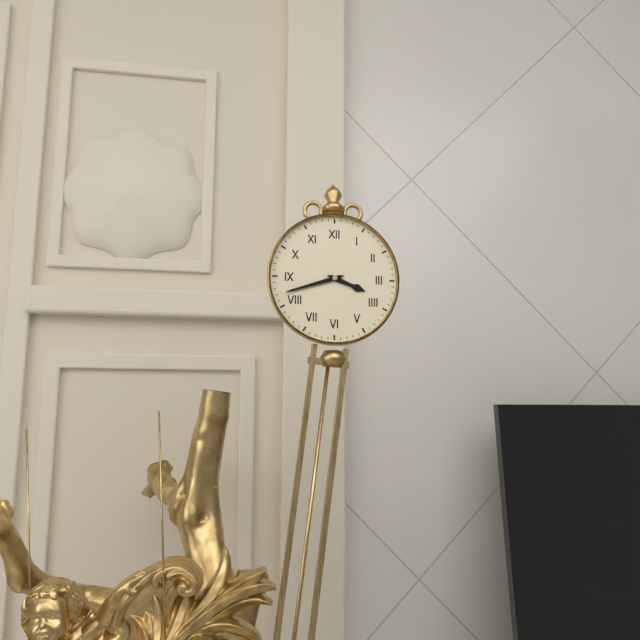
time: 3:42
